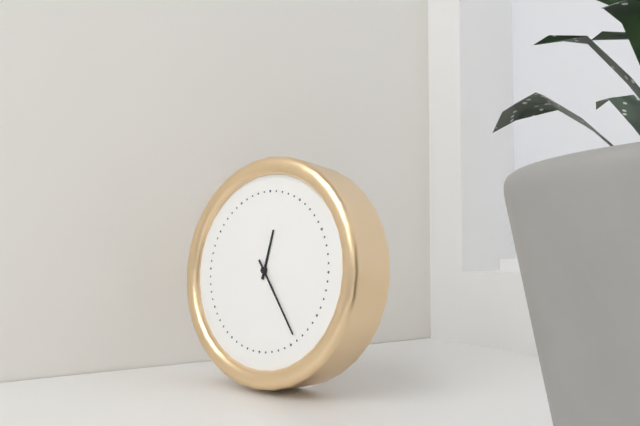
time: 12:24
